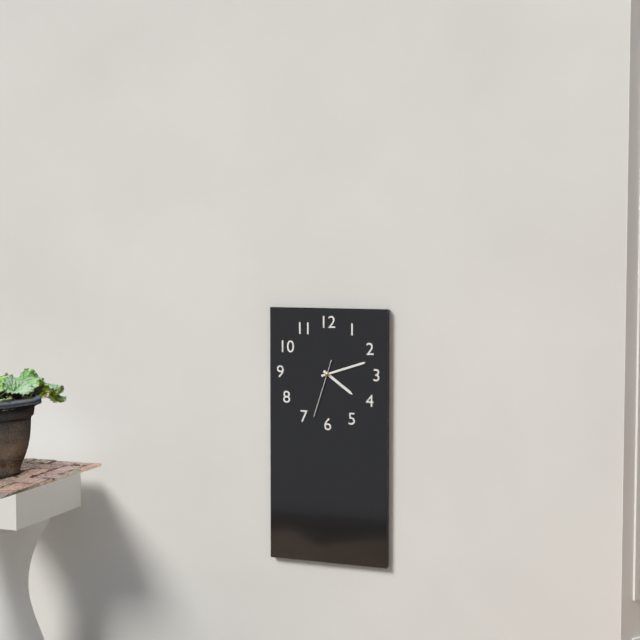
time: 4:12:33
